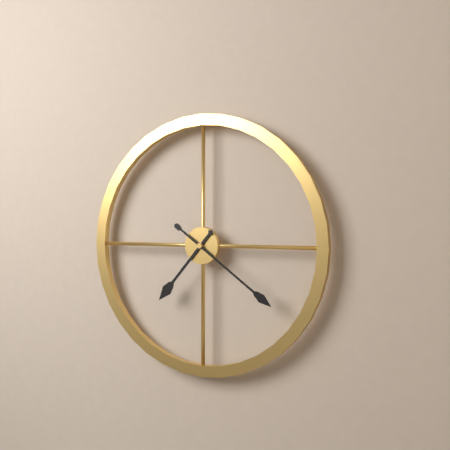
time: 7:21
